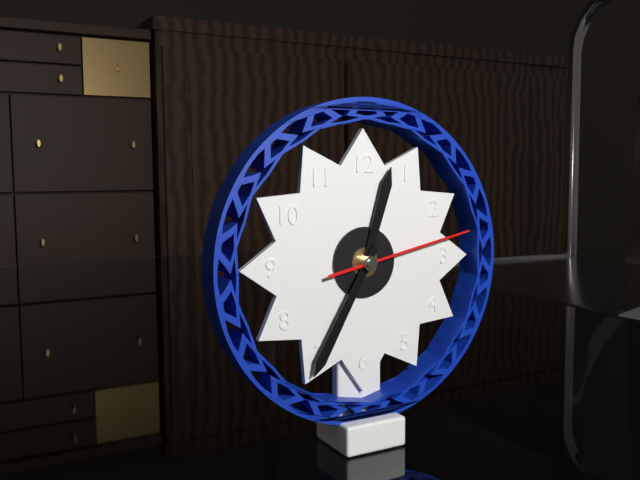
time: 12:35:13
